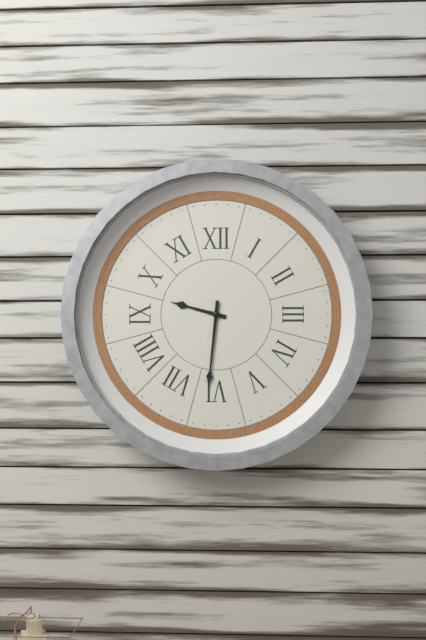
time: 9:31
